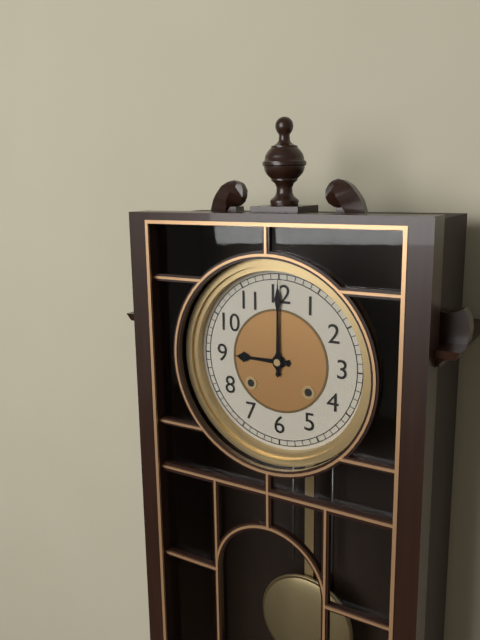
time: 9:00
